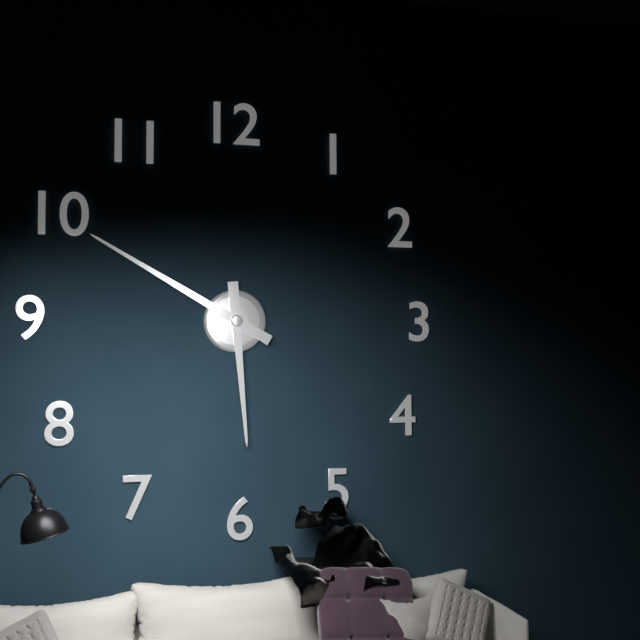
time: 5:50
